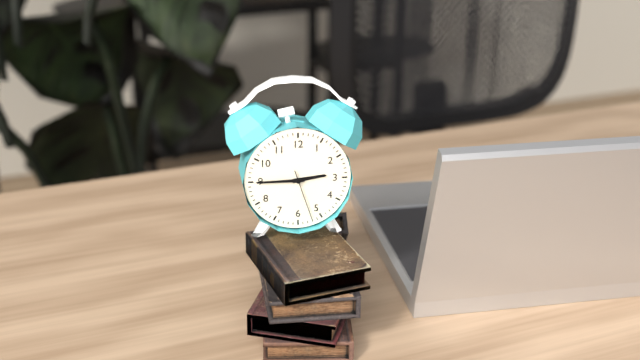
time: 2:45:27
